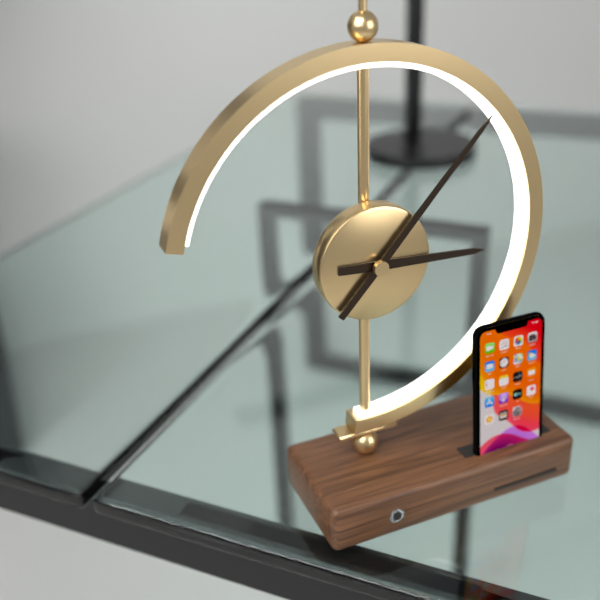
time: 3:07
